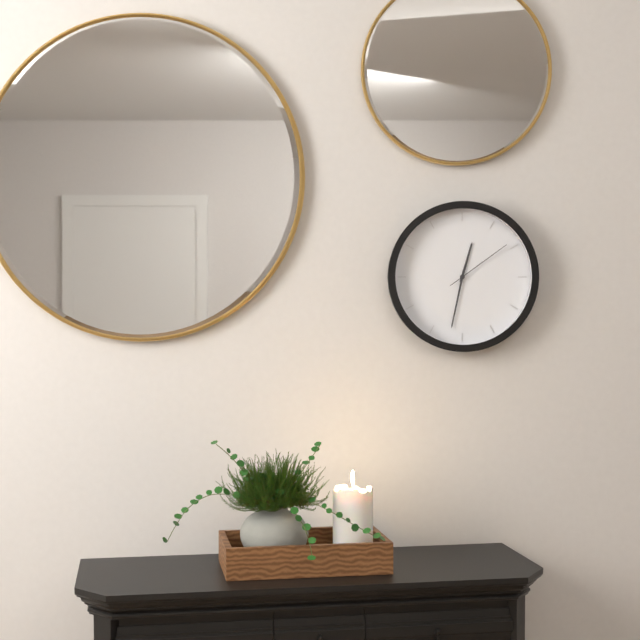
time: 12:32:09
